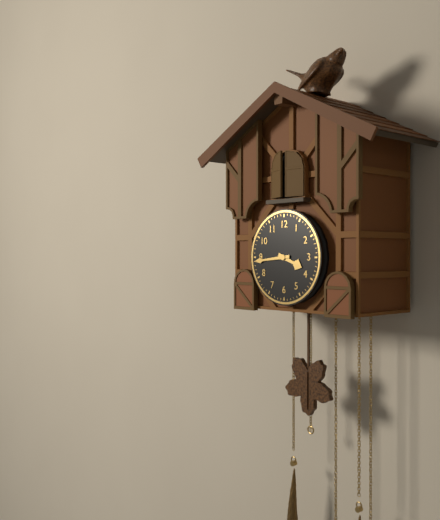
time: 3:44
